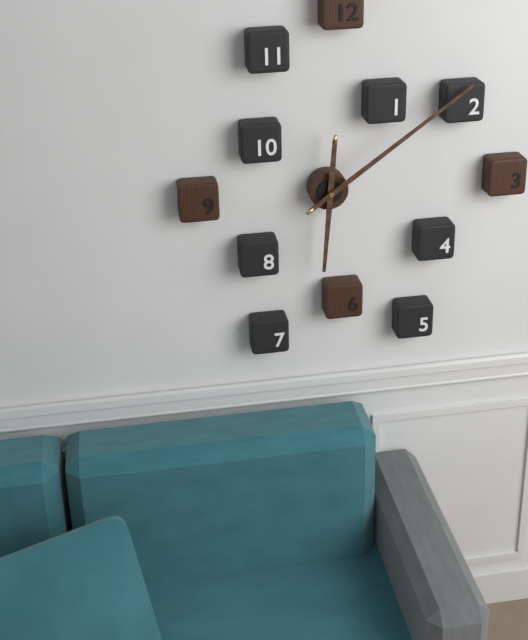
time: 6:09
